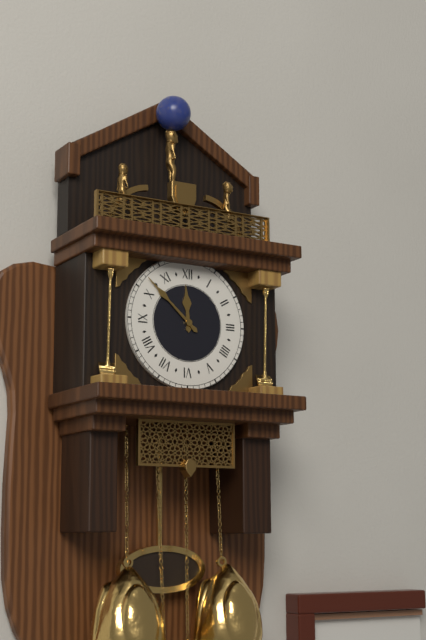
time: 11:52
